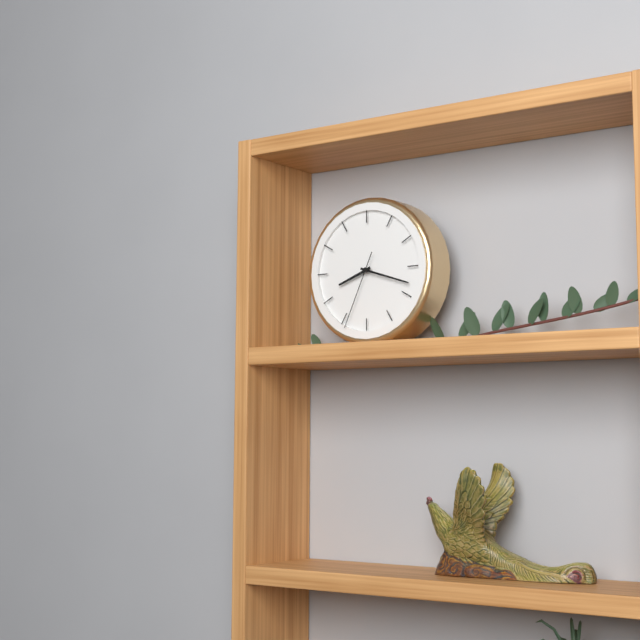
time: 8:18:34
